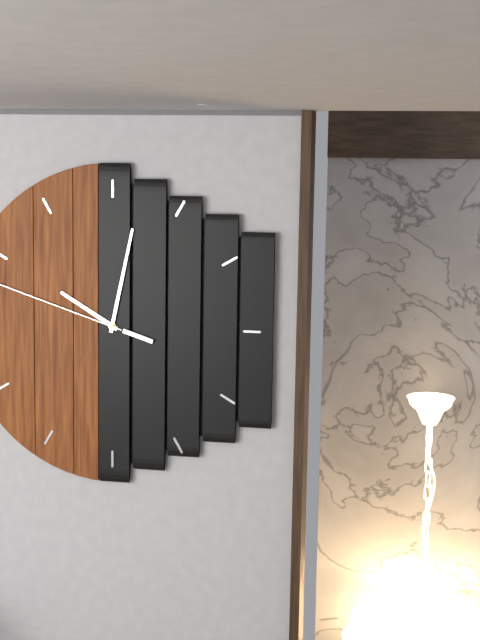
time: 10:02
